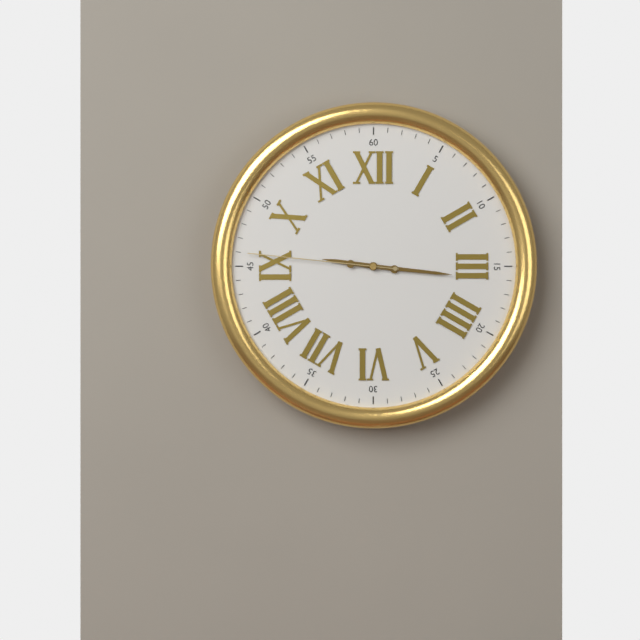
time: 9:16:46
